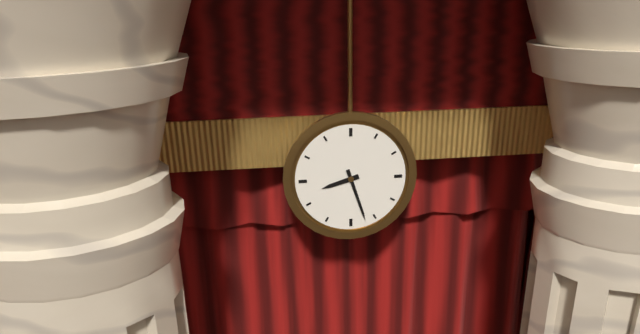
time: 8:27
